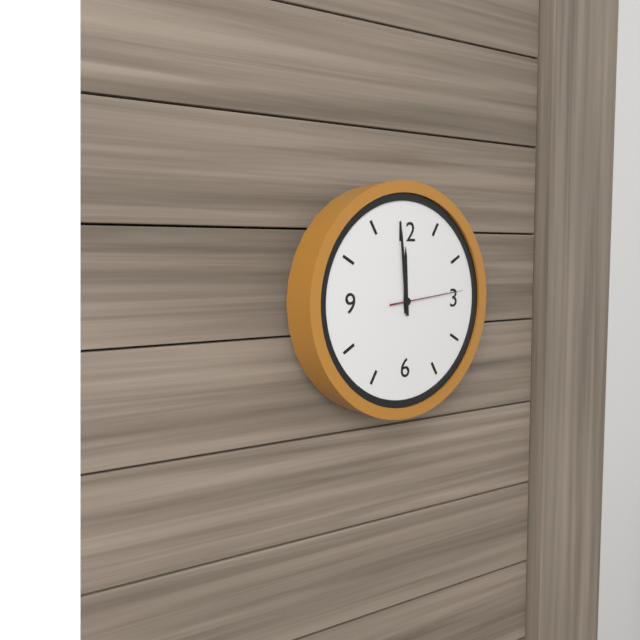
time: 11:59:14
